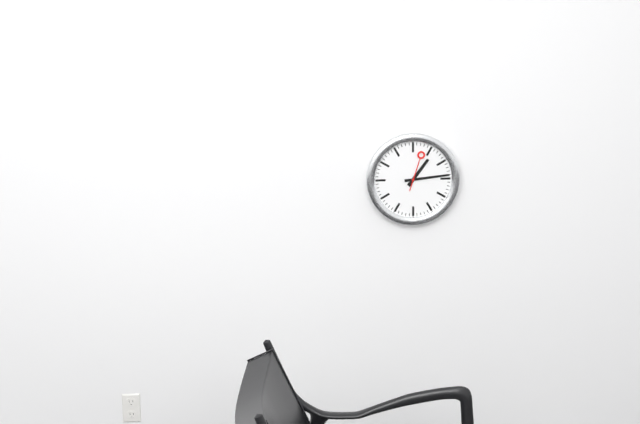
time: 1:14
